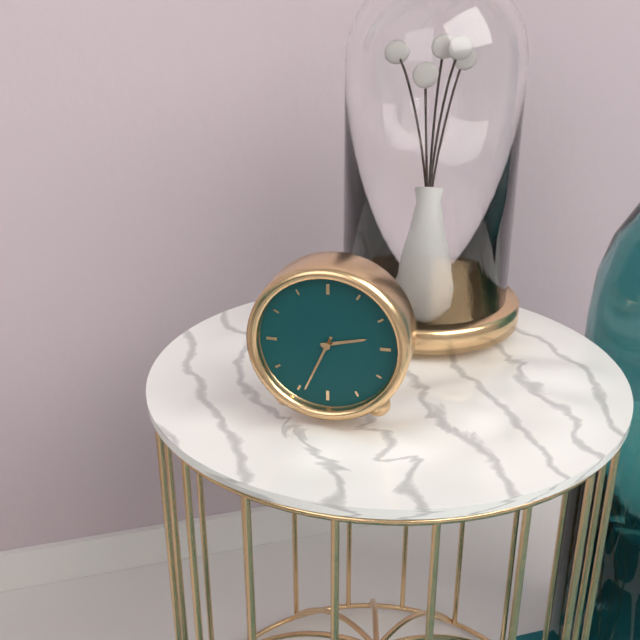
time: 2:34
